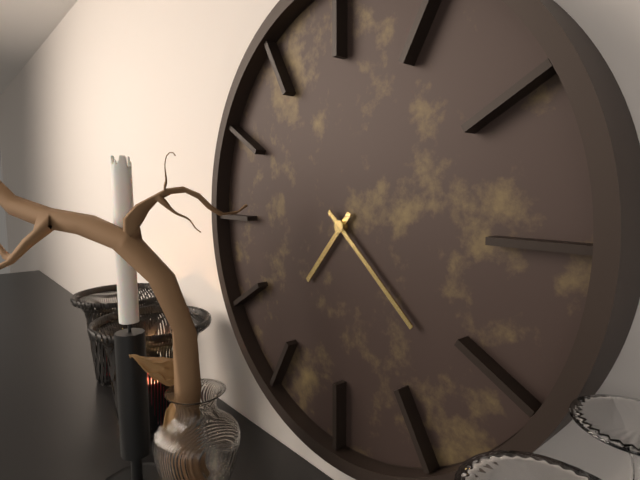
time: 7:22
